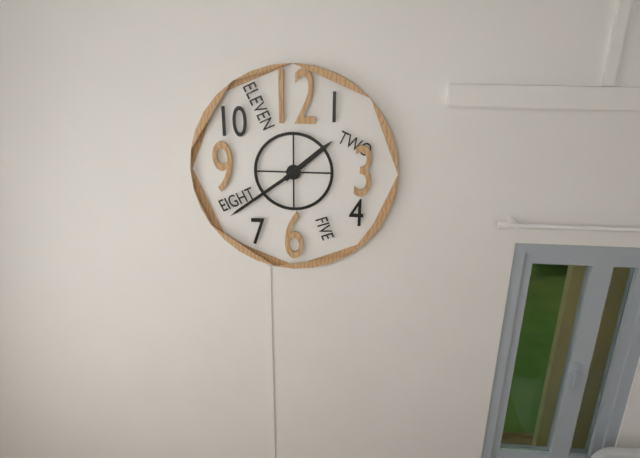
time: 1:39
